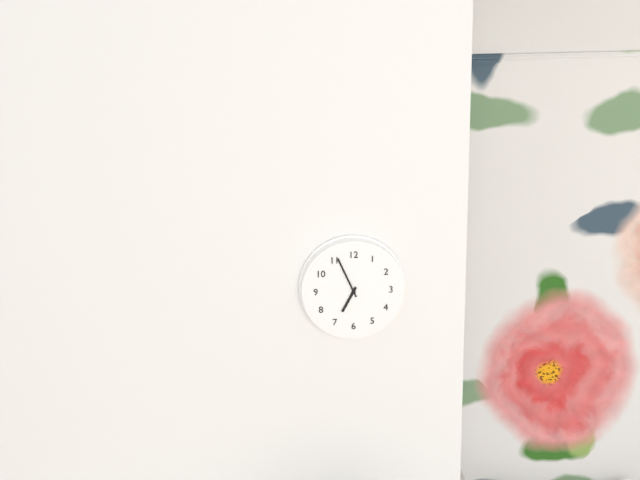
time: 6:56
